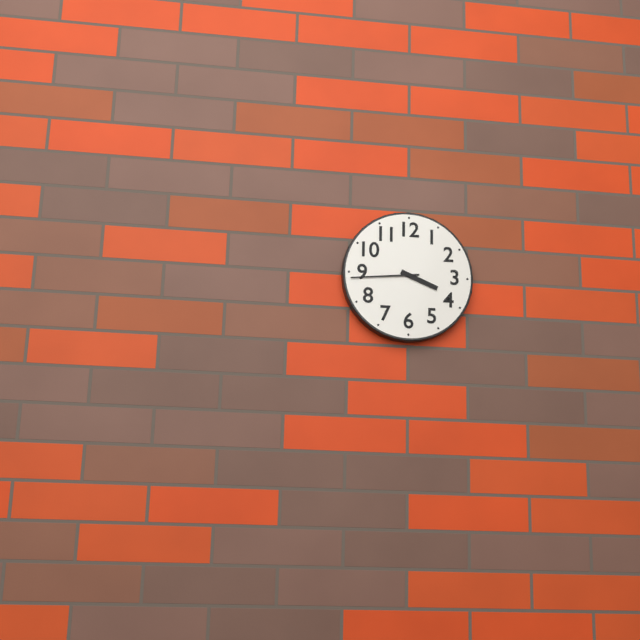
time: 3:44
